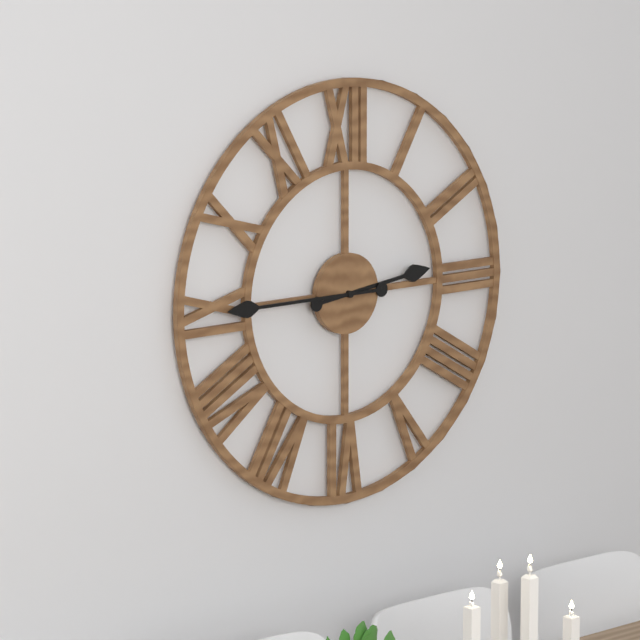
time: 2:45
